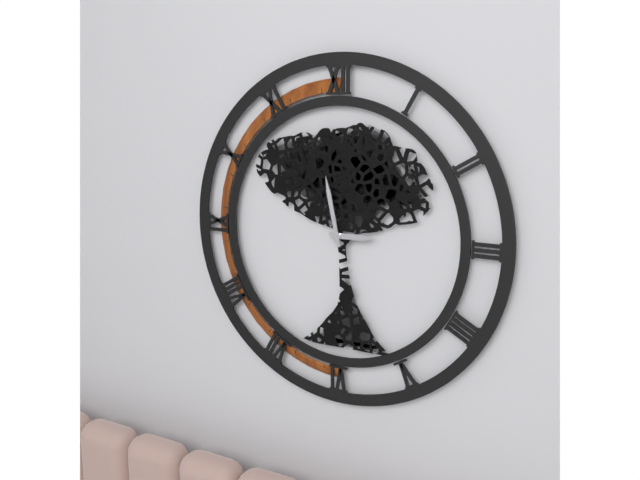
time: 2:58
